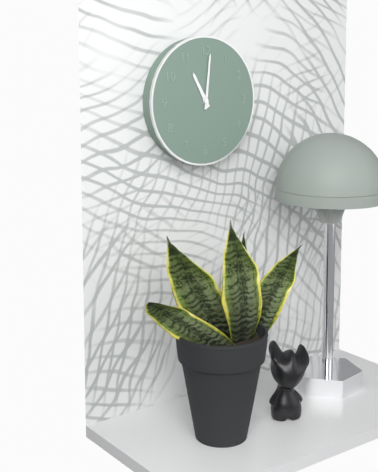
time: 11:01
